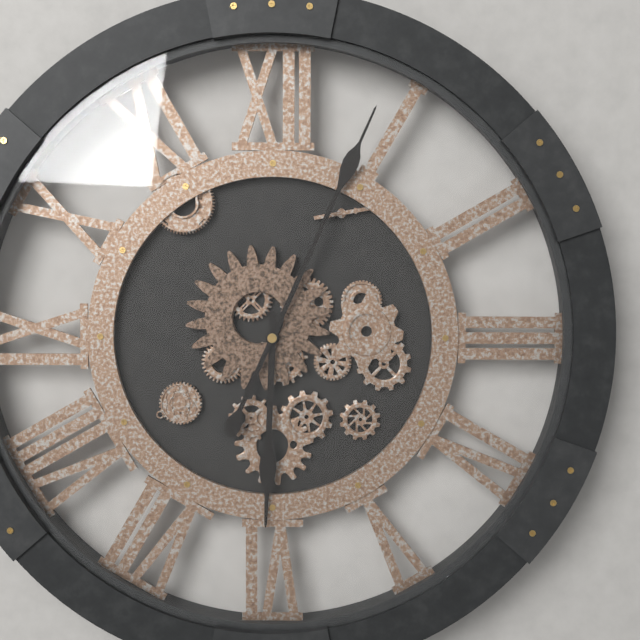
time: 6:04
